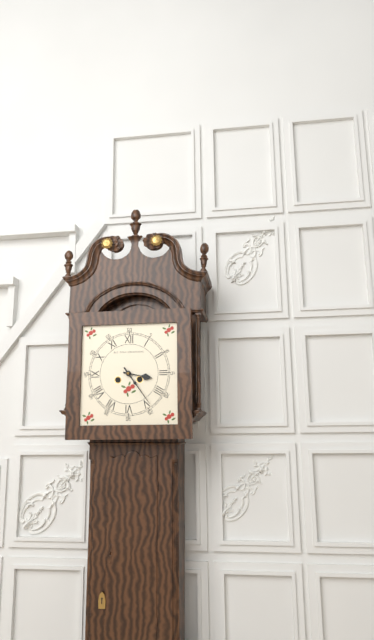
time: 3:24
